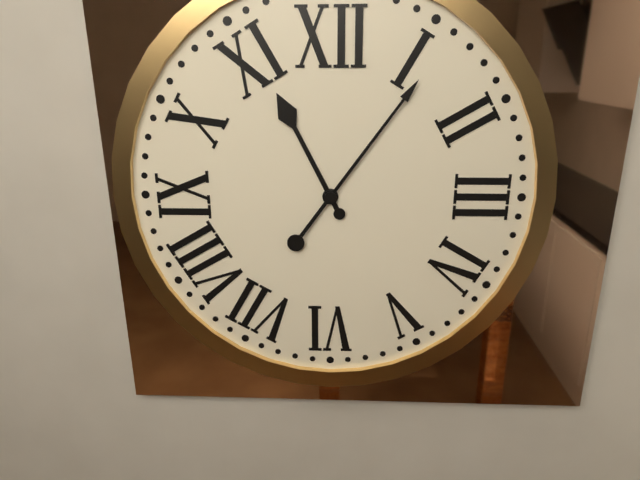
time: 11:06
